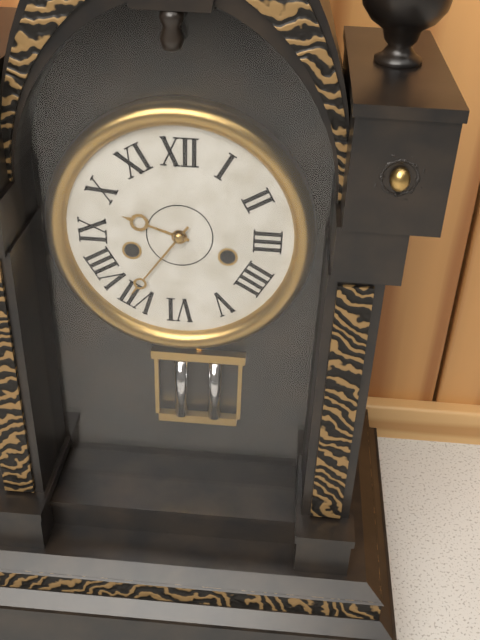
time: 9:36
